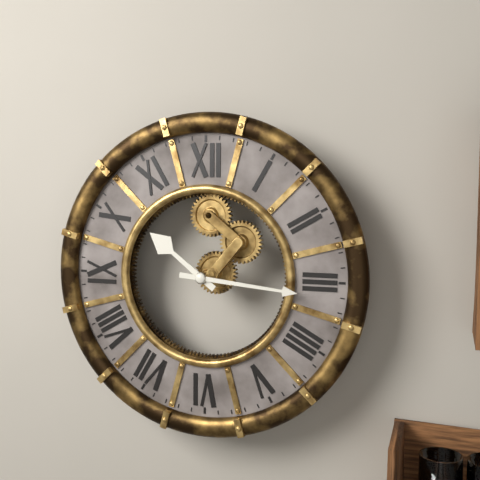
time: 10:16
